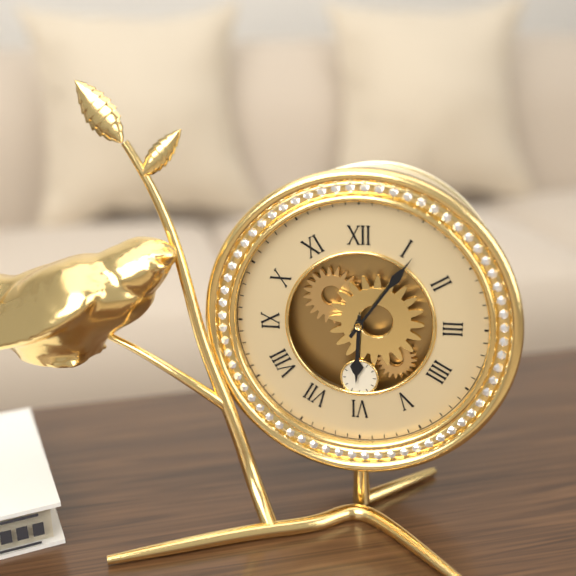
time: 6:06
